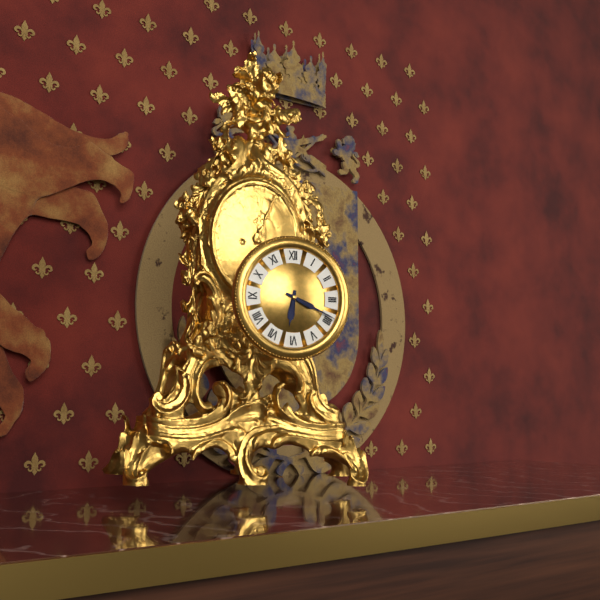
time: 6:19
